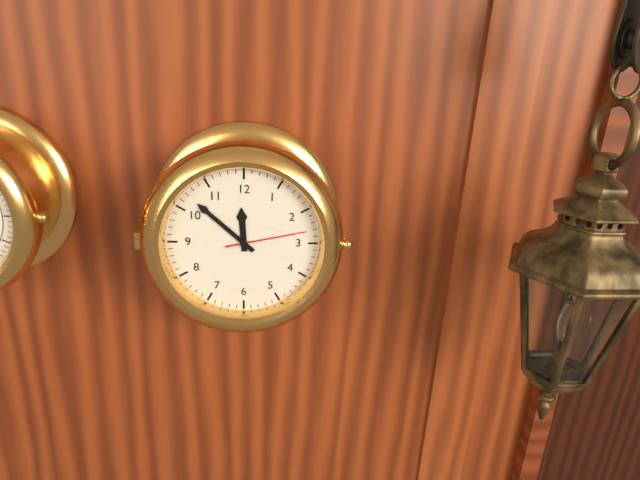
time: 11:52:13
